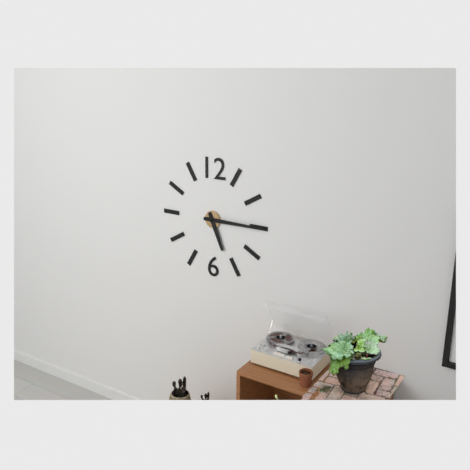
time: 5:15
